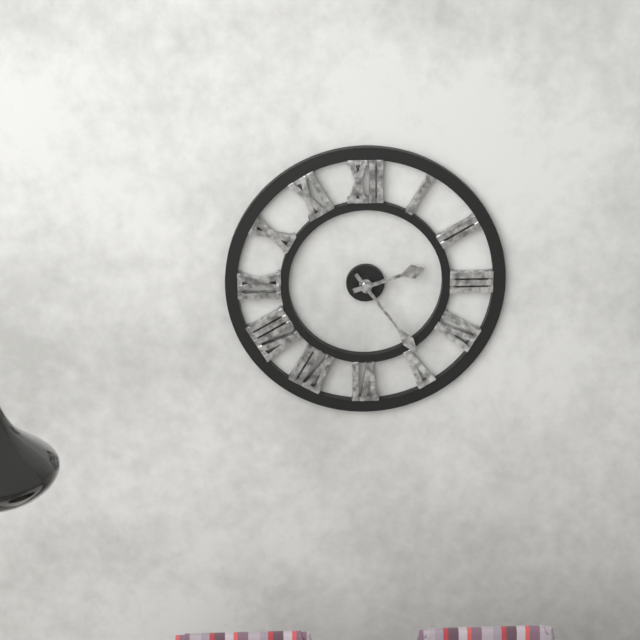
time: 2:24
